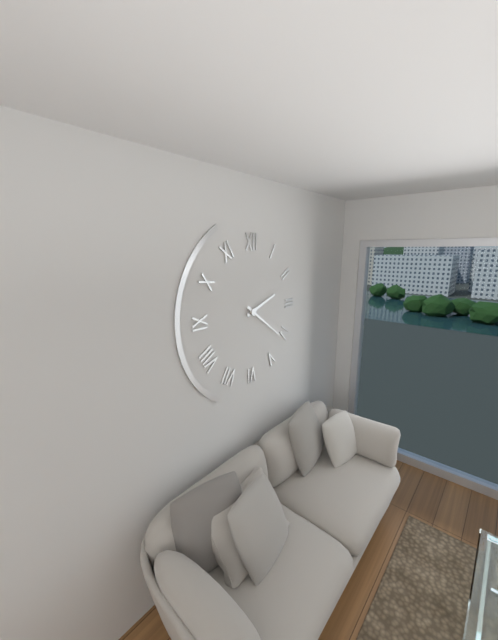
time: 2:21
